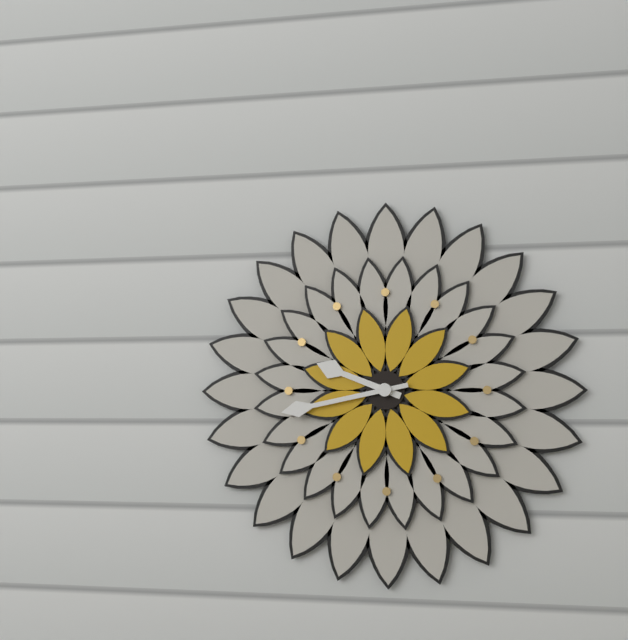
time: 9:43
